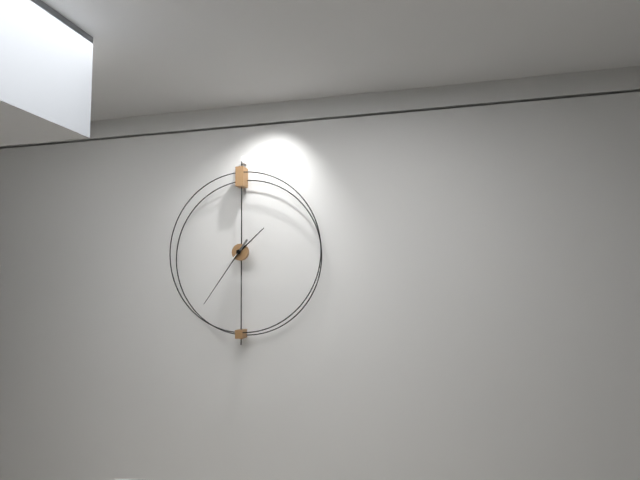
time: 1:36
